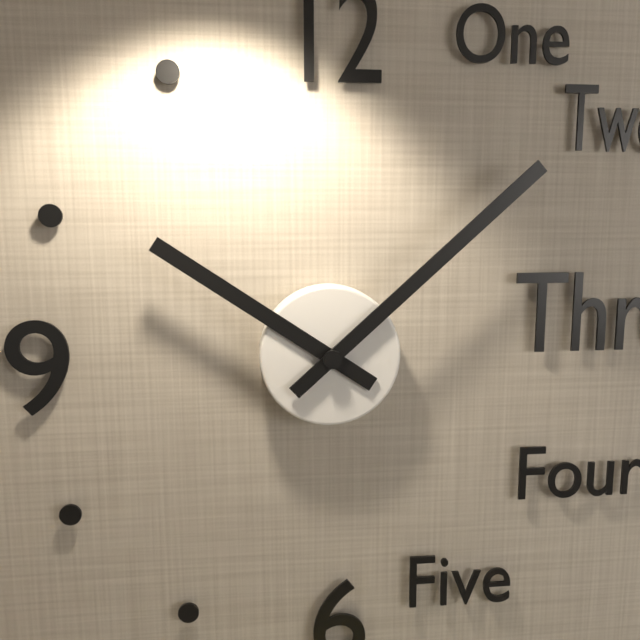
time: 10:08
